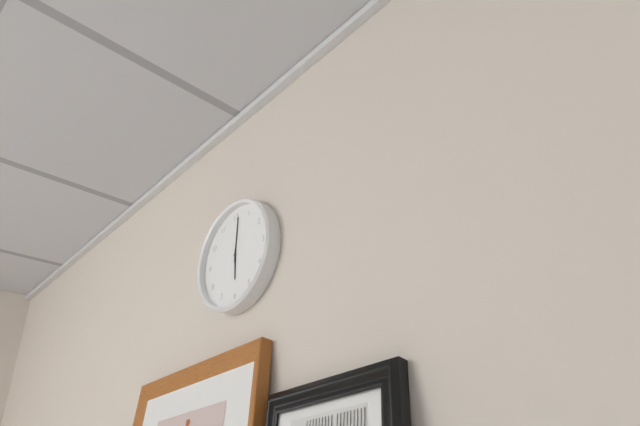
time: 6:01
